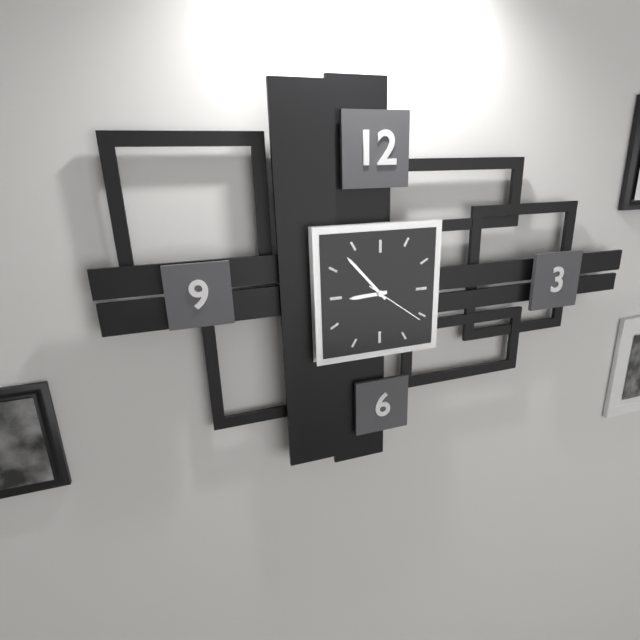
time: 8:53:21
